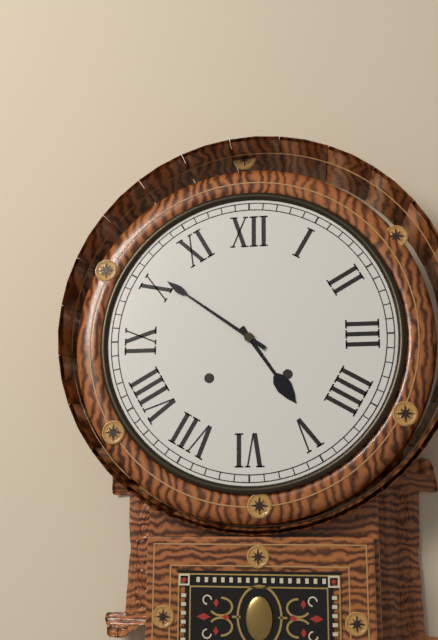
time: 4:51
